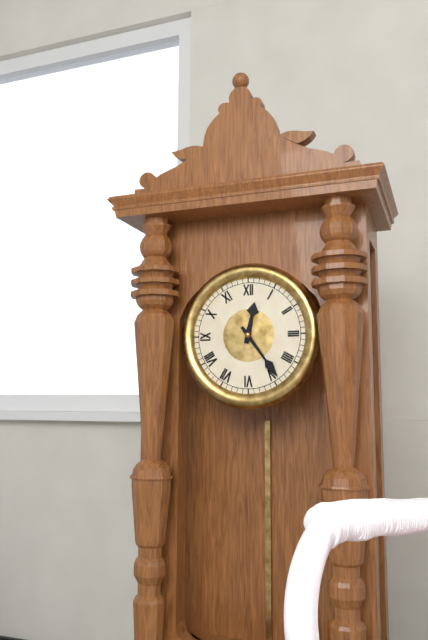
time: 12:24
